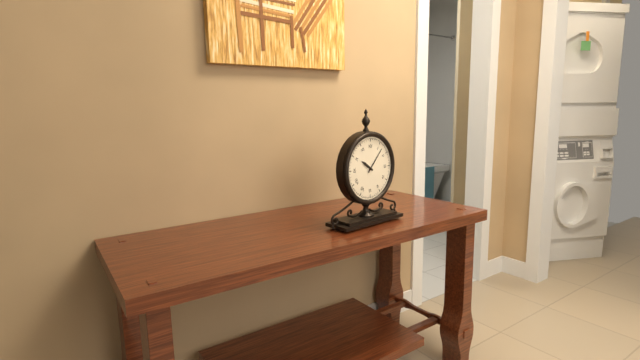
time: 10:07
